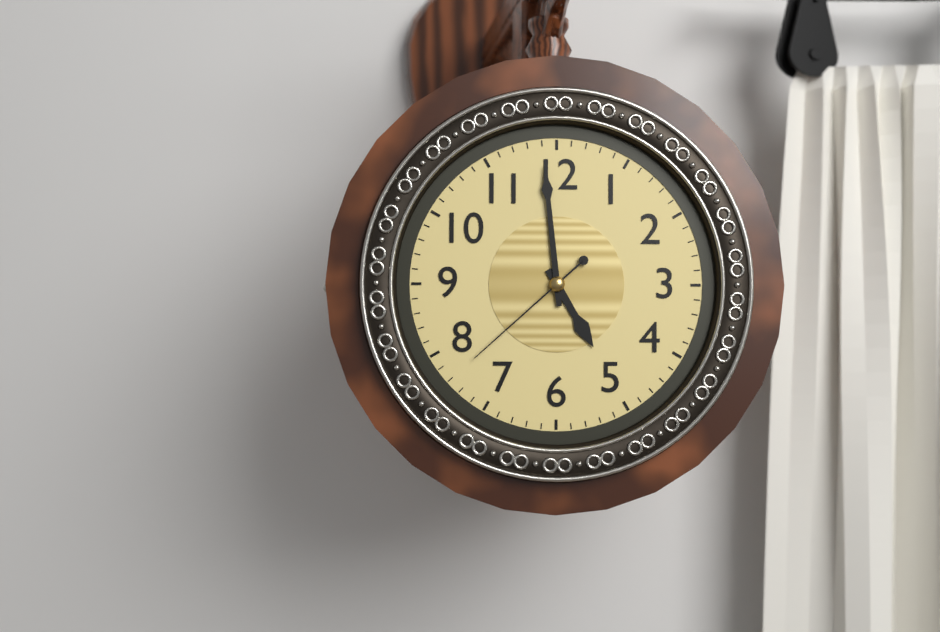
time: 4:59:38
